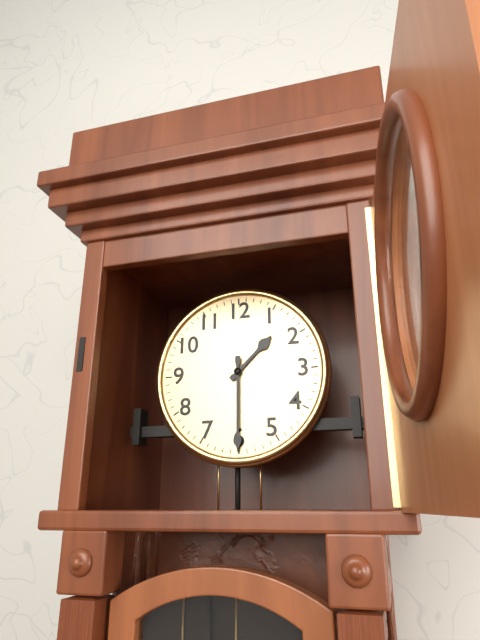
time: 1:30
